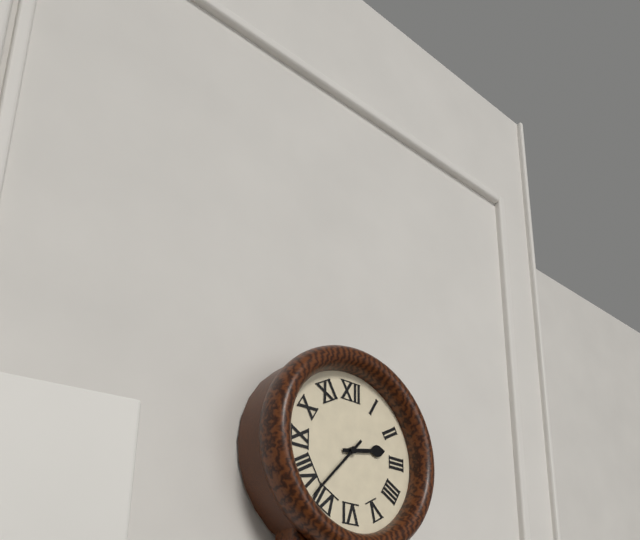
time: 2:37
